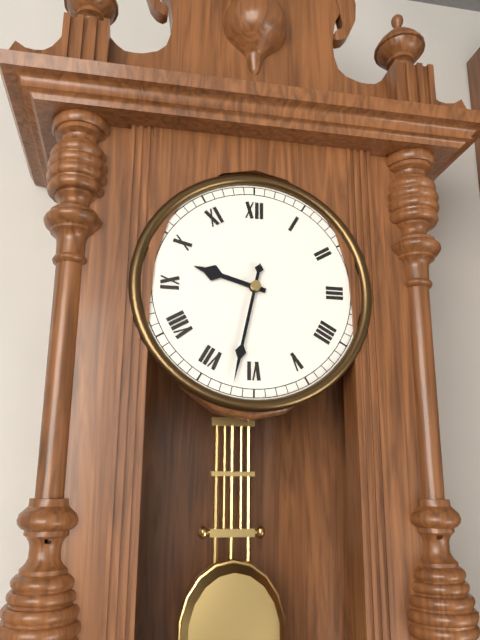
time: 9:32
